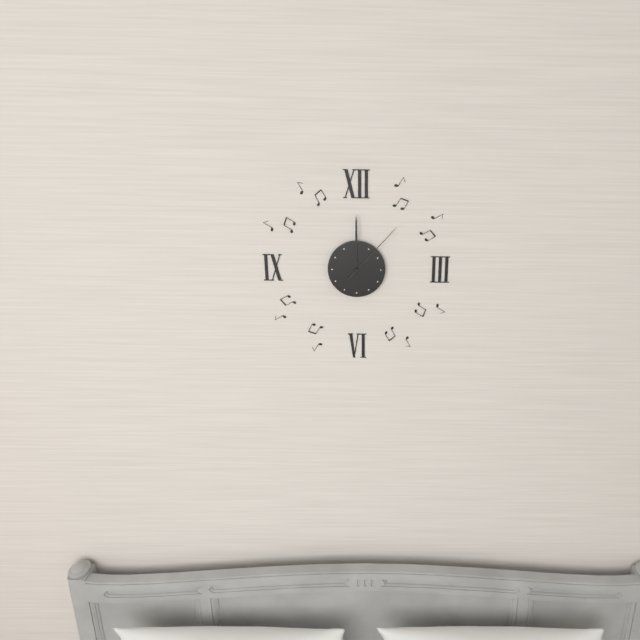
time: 12:00:07
